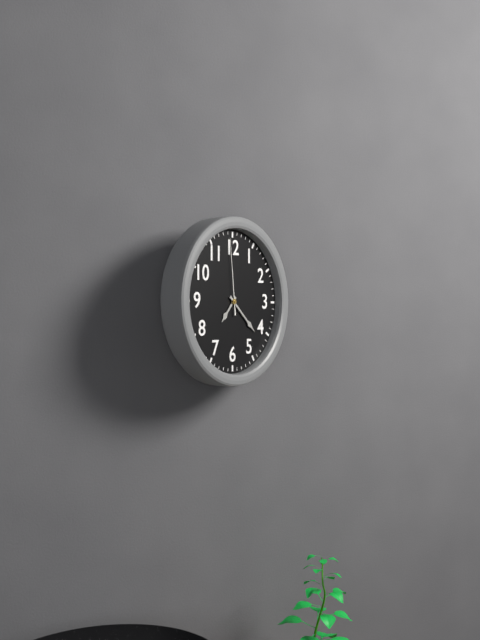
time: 7:22:59
